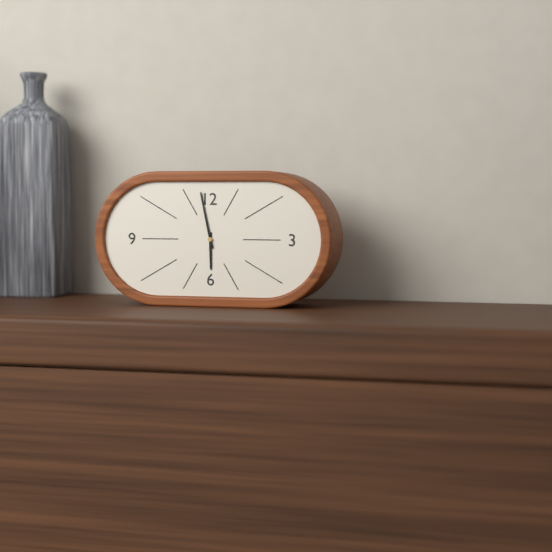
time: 5:58
